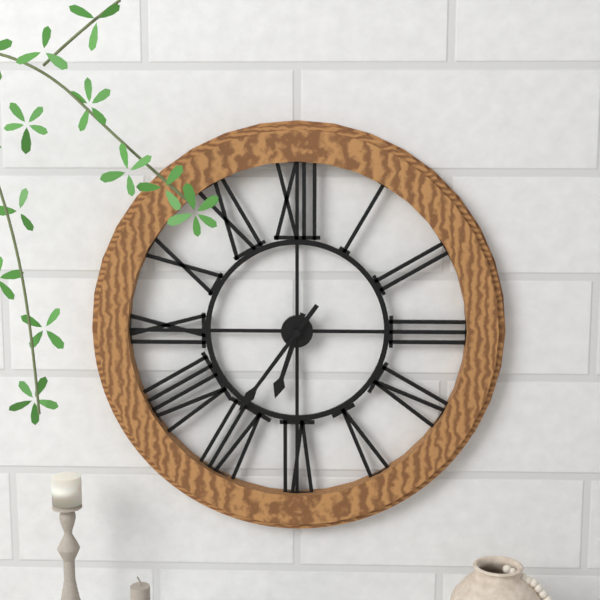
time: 6:36
